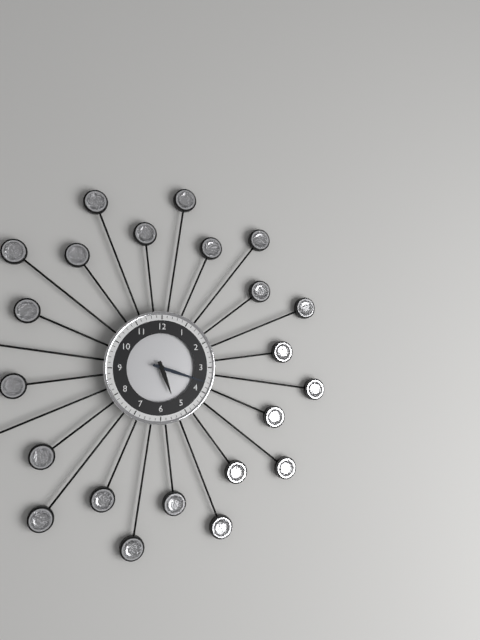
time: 5:18
